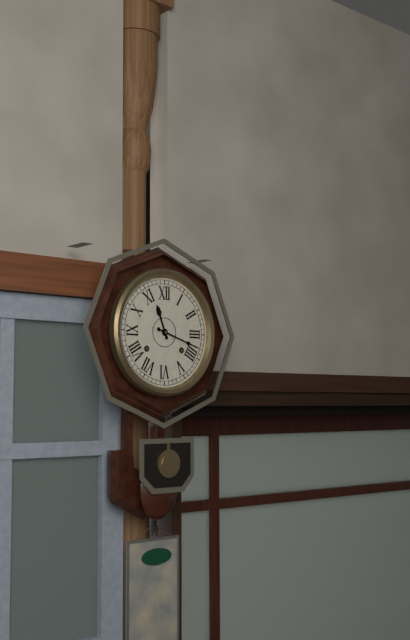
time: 11:18
